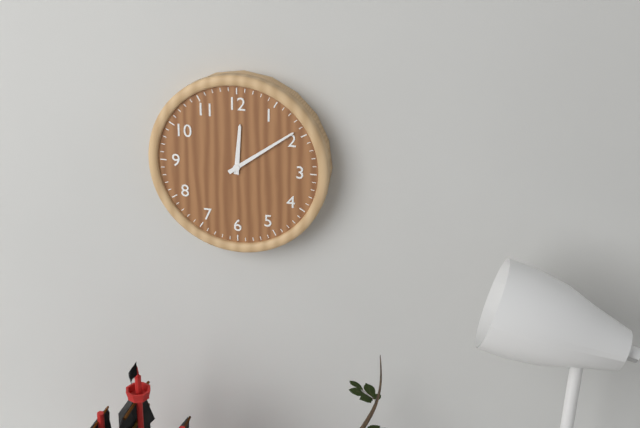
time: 12:09
